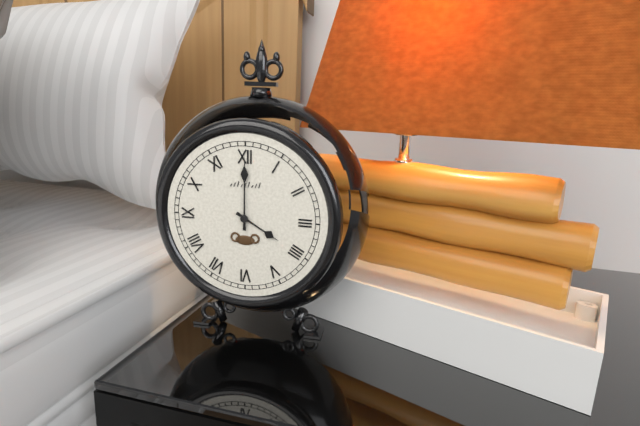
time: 4:00
